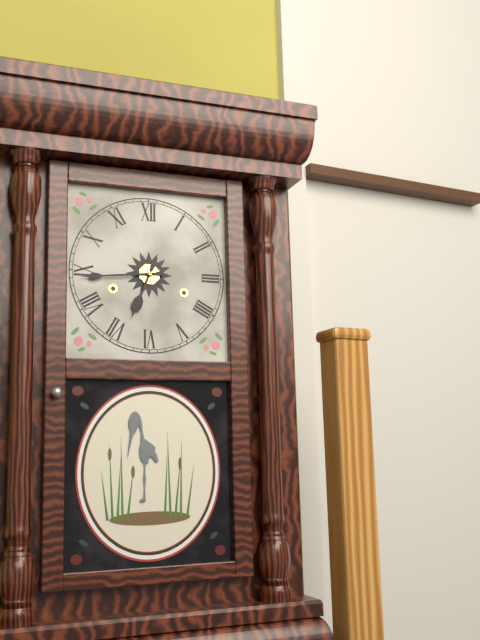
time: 6:44
